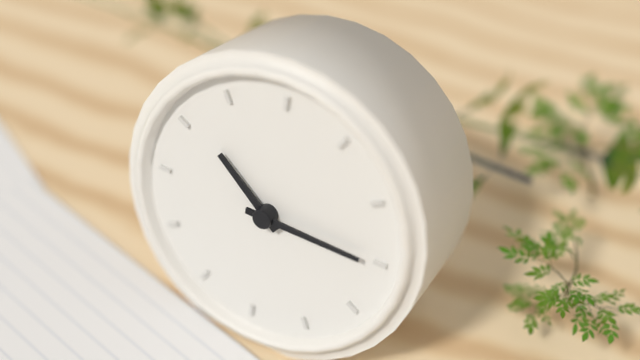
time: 10:15
